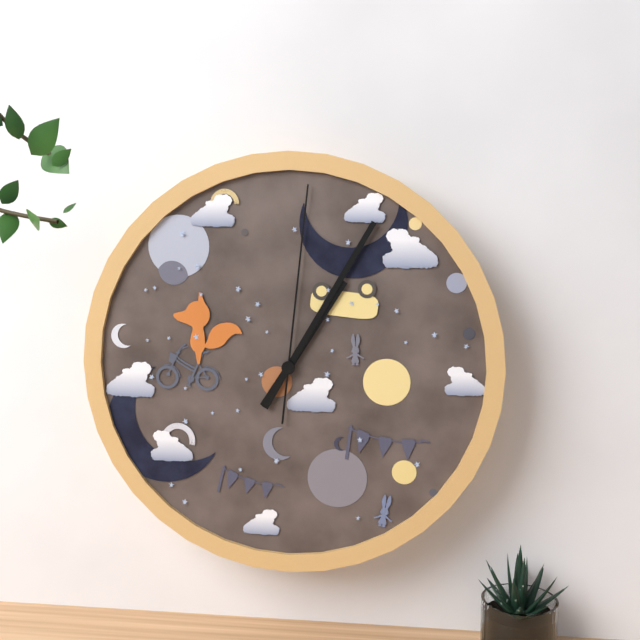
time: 1:05:01
